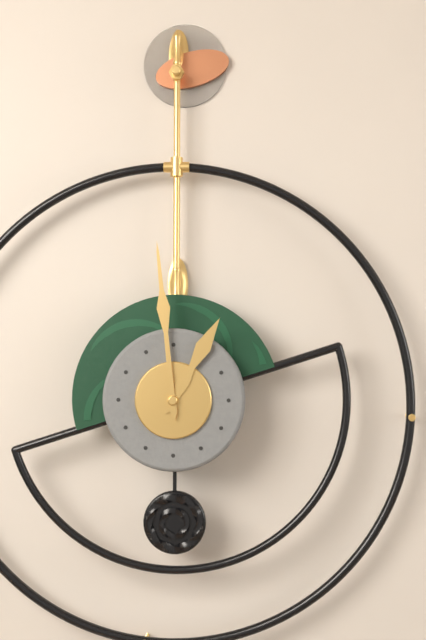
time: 12:59
